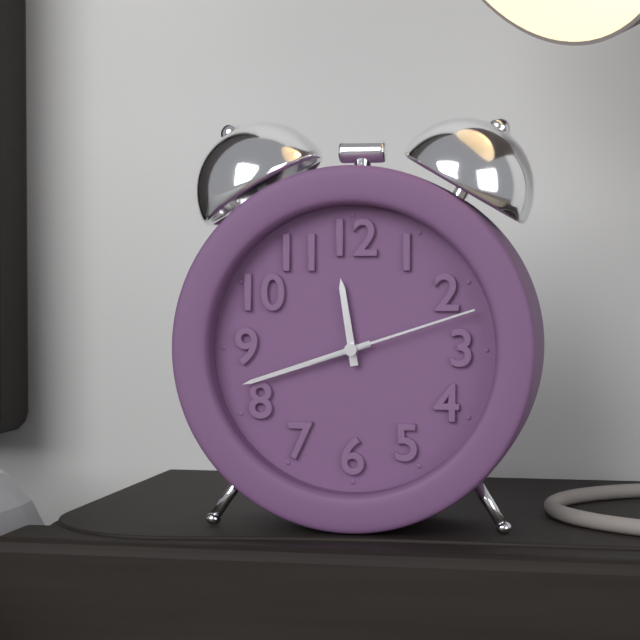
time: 11:42:12
